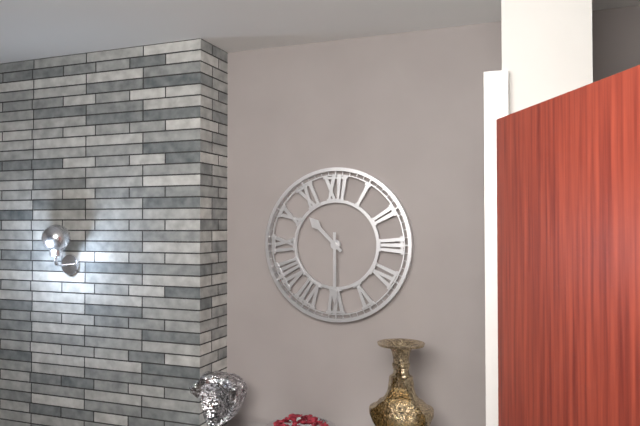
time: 10:30
